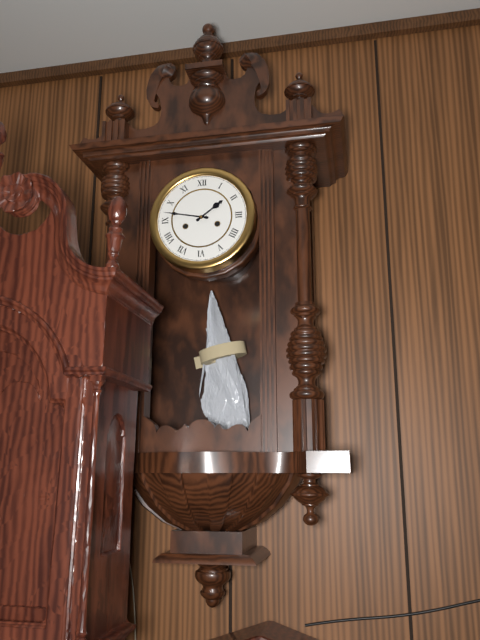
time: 1:47
